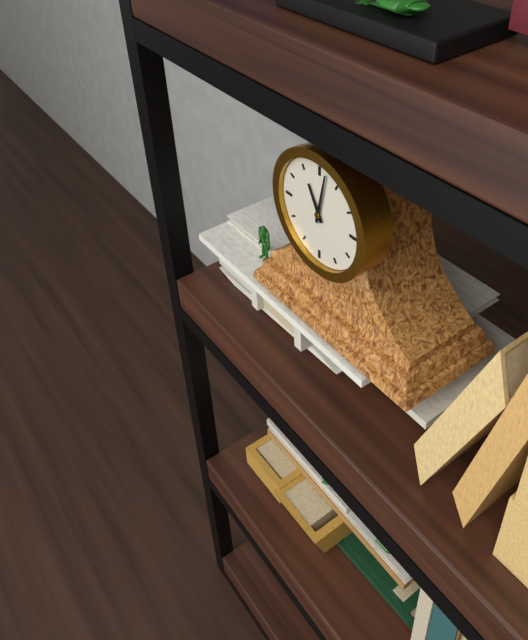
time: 11:02
